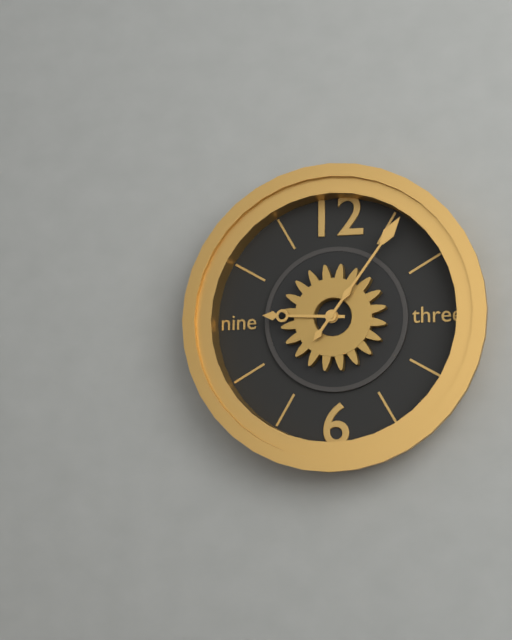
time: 9:06
